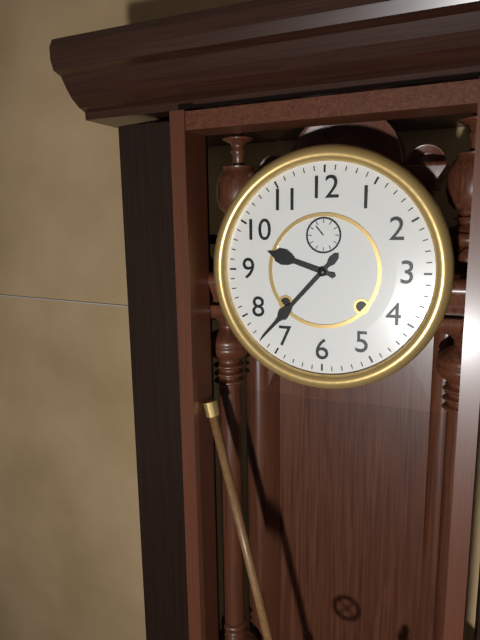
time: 9:37
